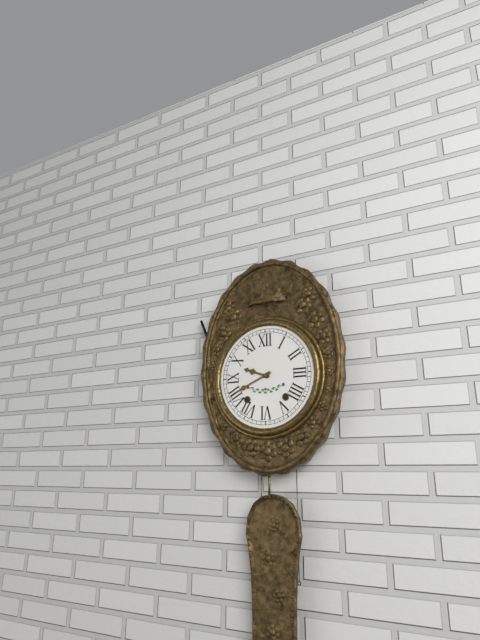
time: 9:41
